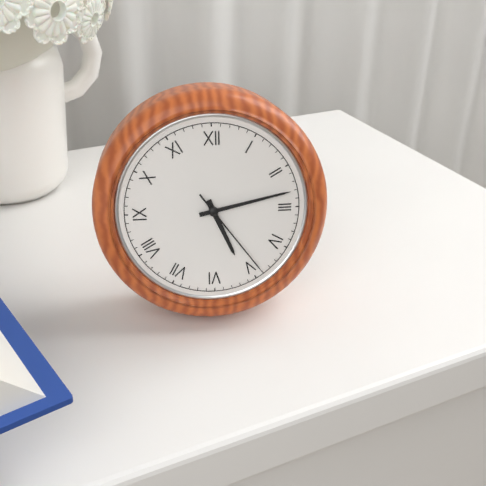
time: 5:13:24
